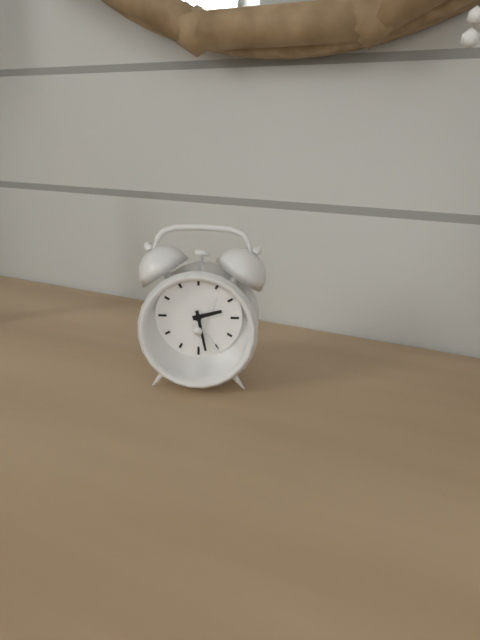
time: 2:28
